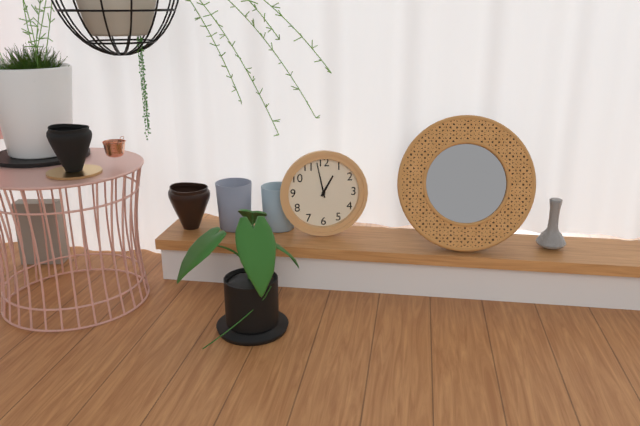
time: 12:58
